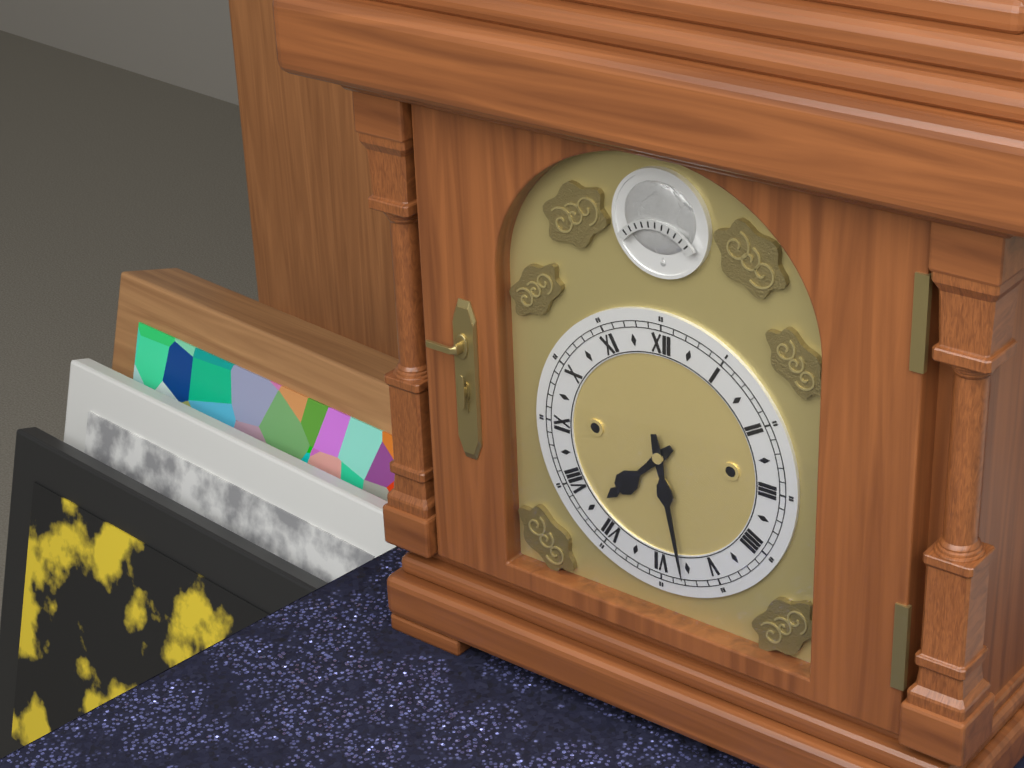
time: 7:28
